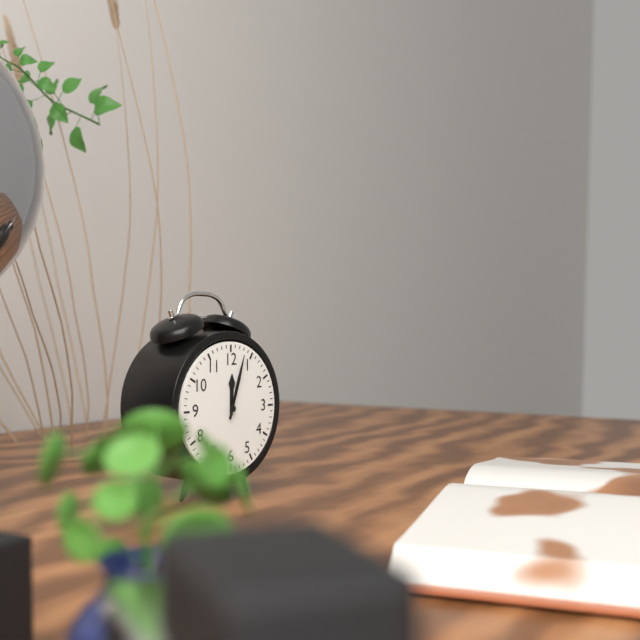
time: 12:03
